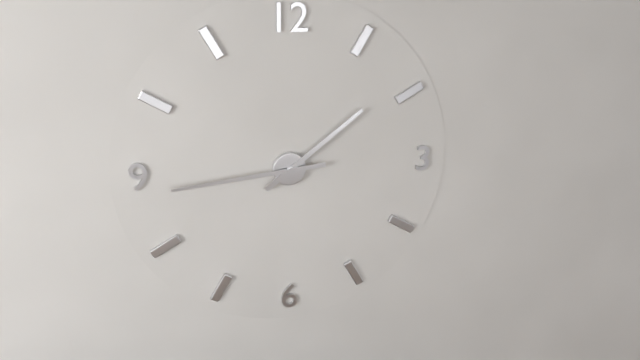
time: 1:44
